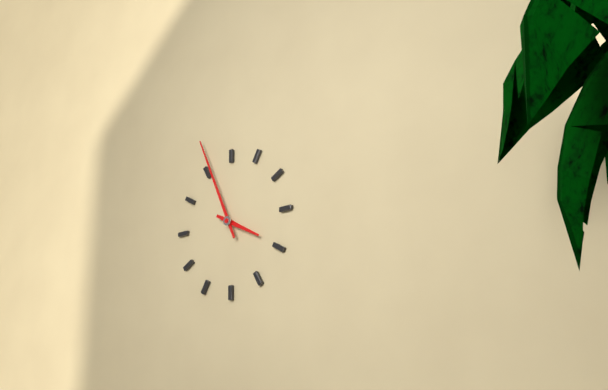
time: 3:56
